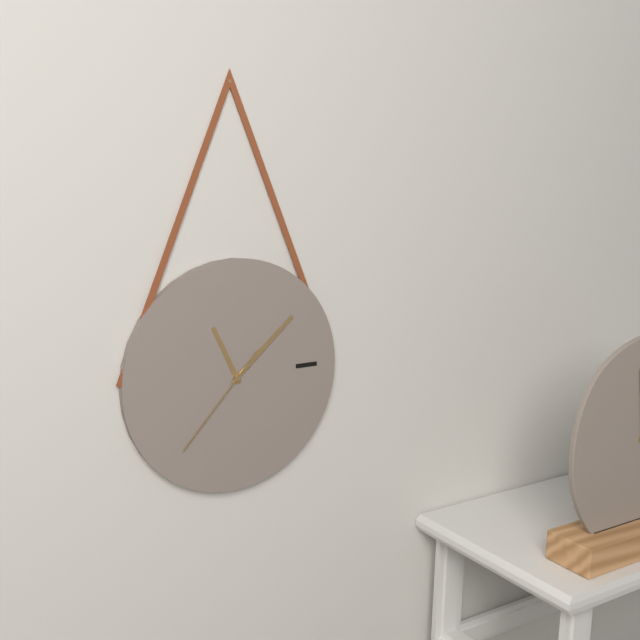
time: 11:08:37
